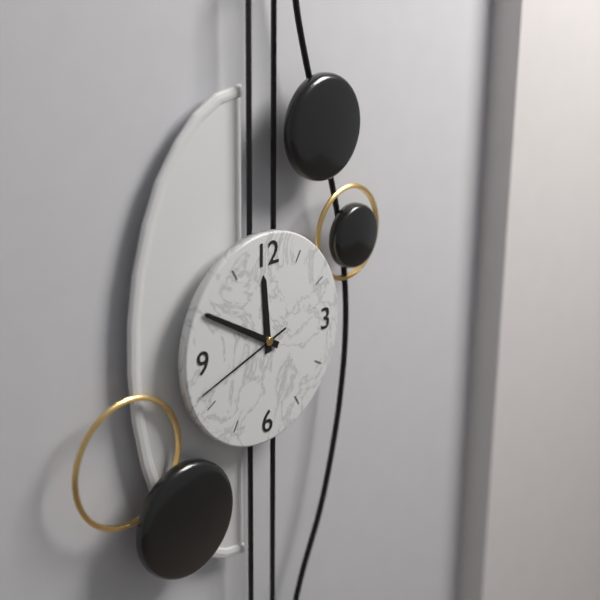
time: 11:50:42
